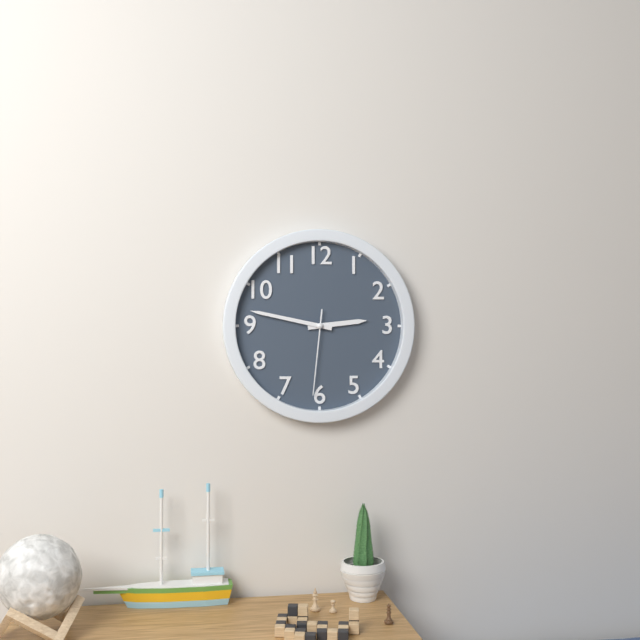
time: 2:47:31
